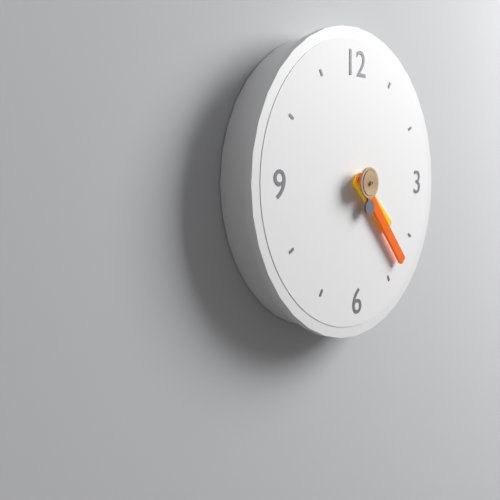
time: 4:23
